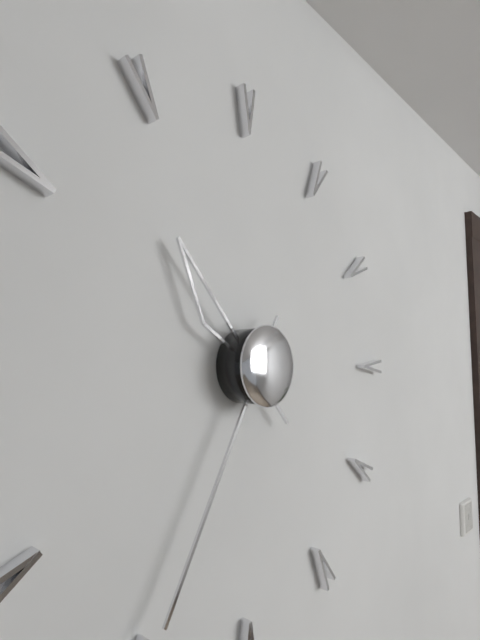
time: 10:35
